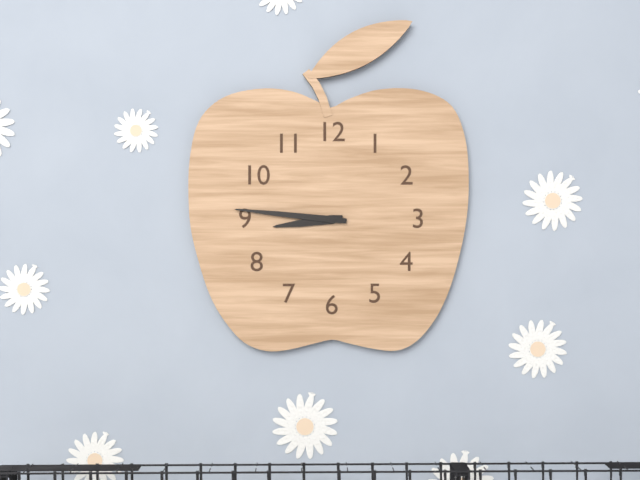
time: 8:46
